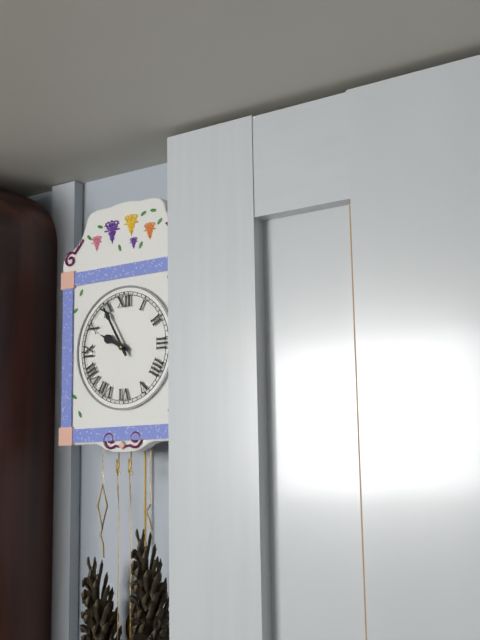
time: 9:55
